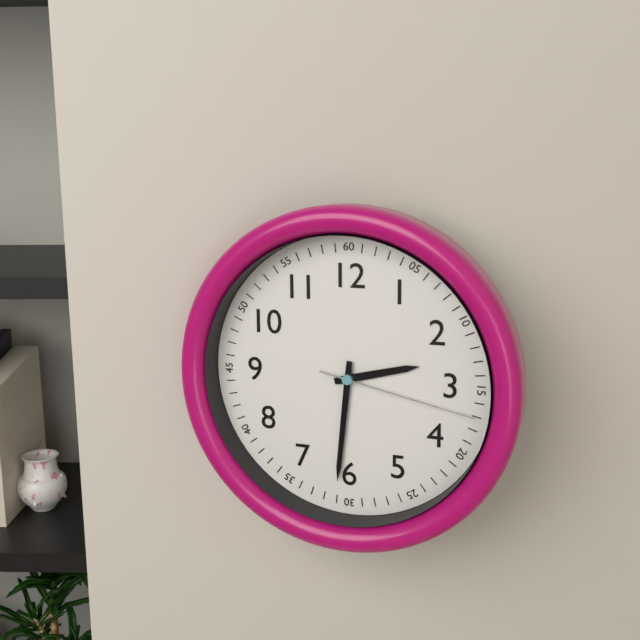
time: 2:31:17
